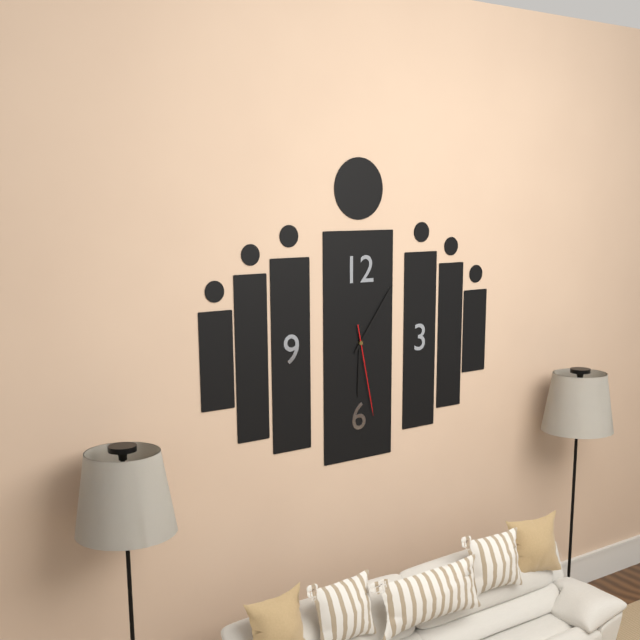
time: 6:06:28
